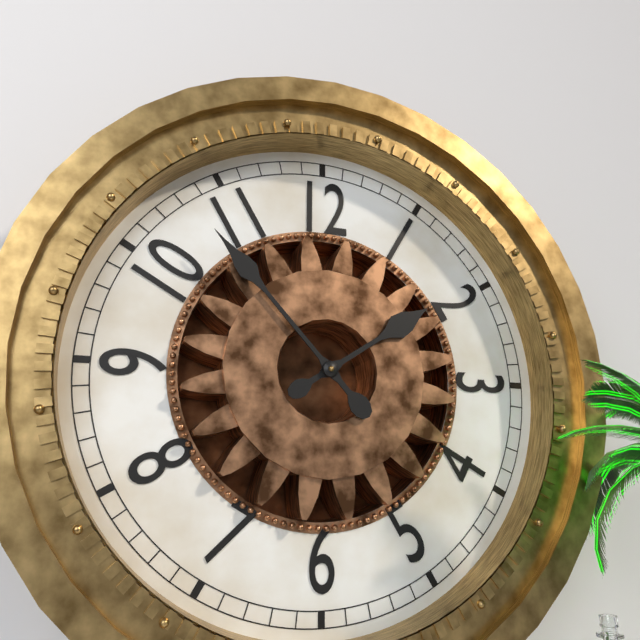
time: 1:53
